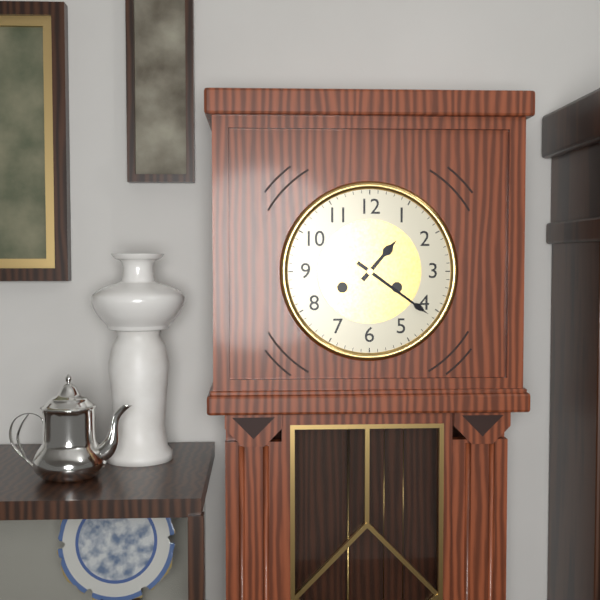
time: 1:21
